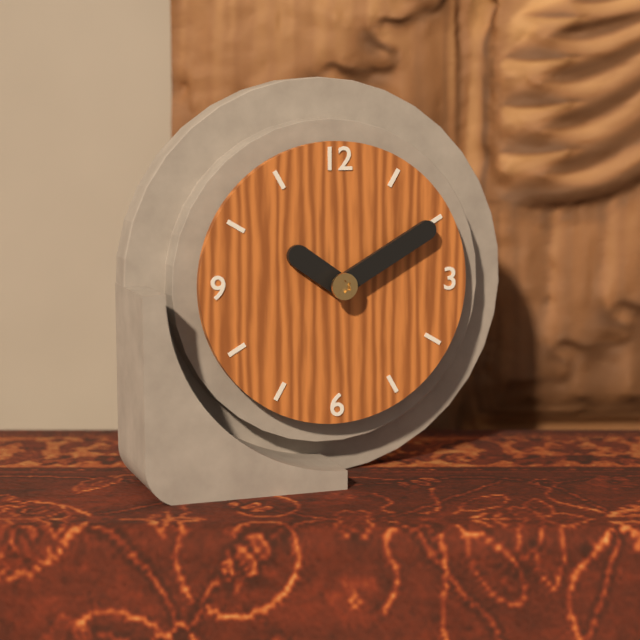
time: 10:10
